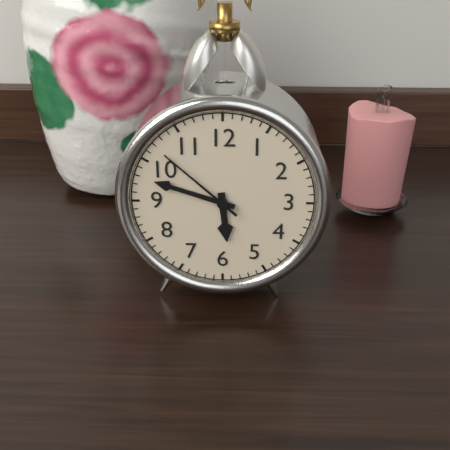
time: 5:48:52
